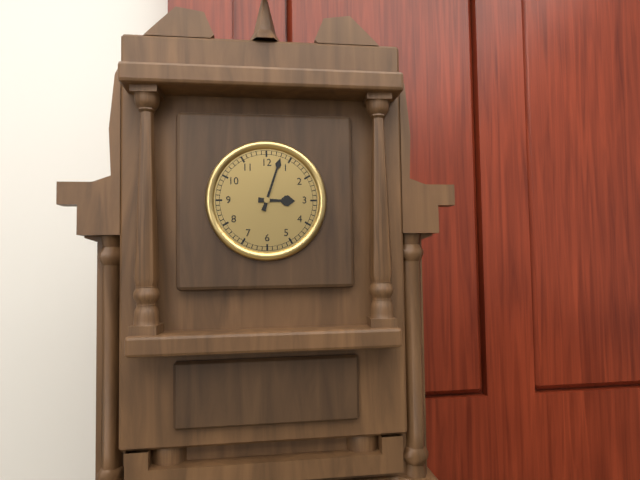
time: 3:03
